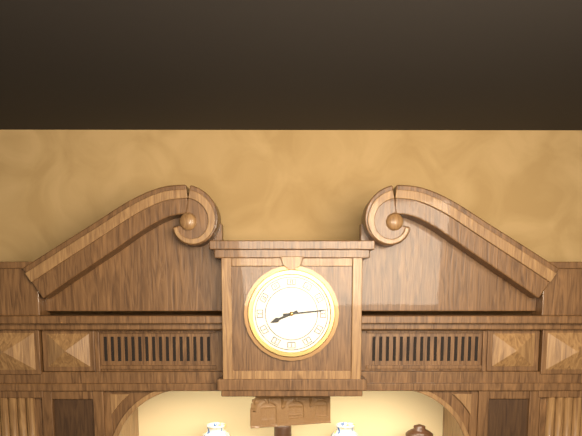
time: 8:14
